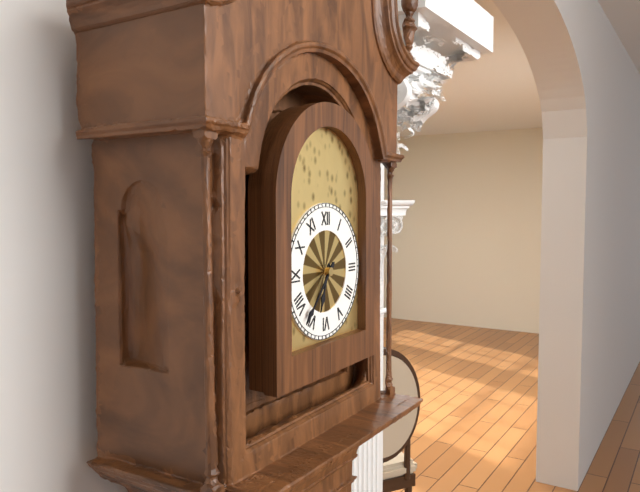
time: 6:37
